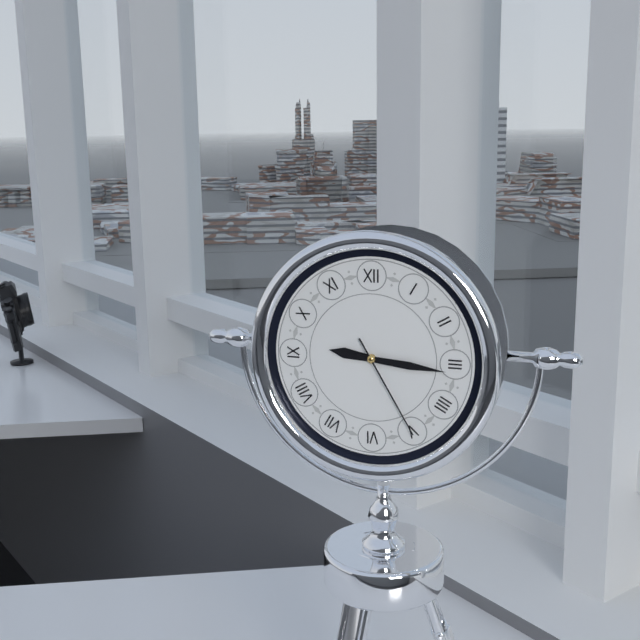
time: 9:16:25
